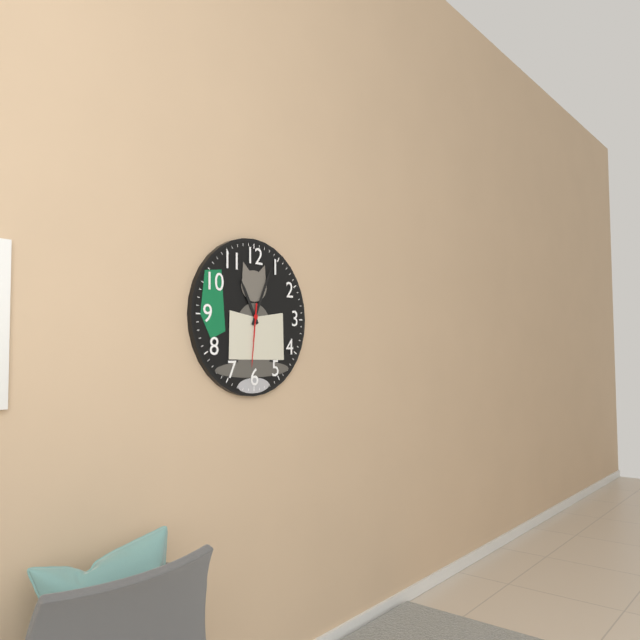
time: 11:04:31
